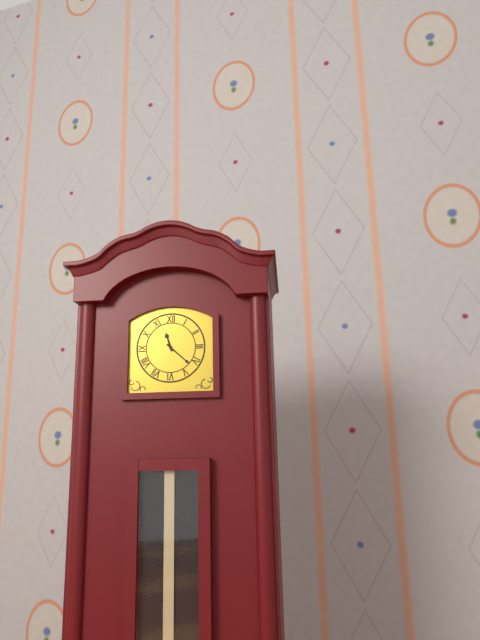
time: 11:22
